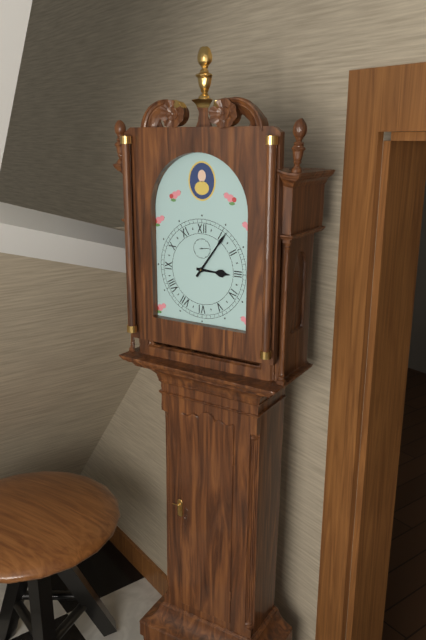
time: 3:06
